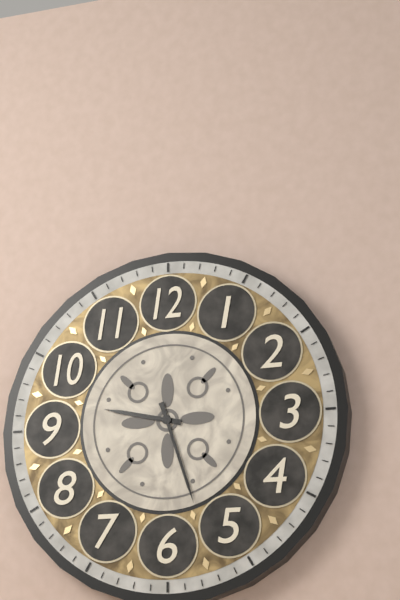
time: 9:27
